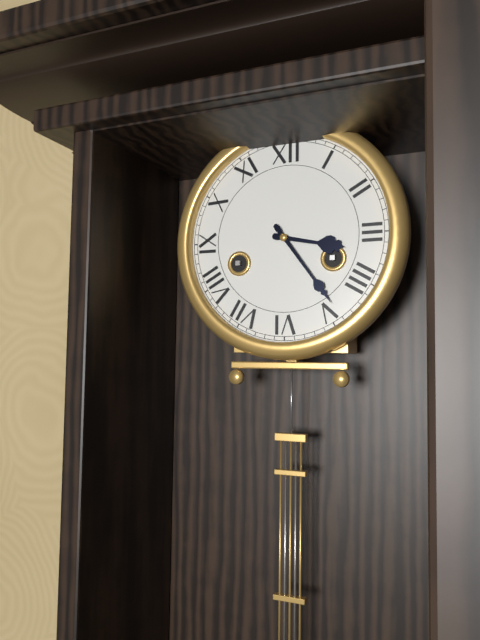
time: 3:24
